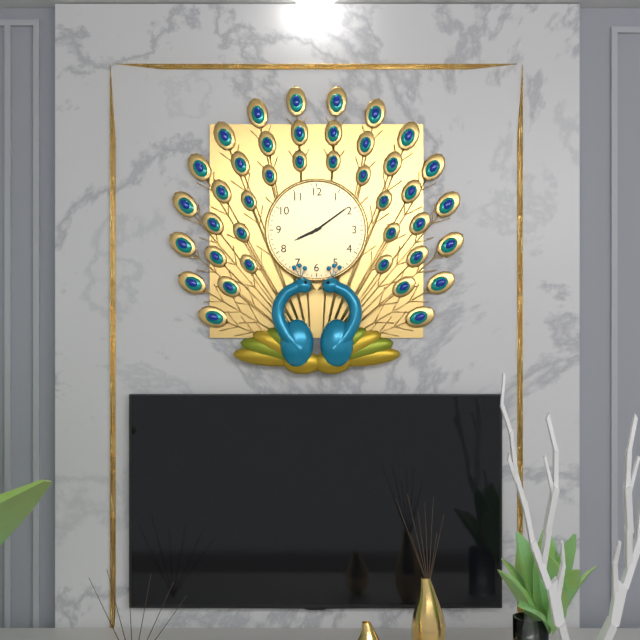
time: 8:09
